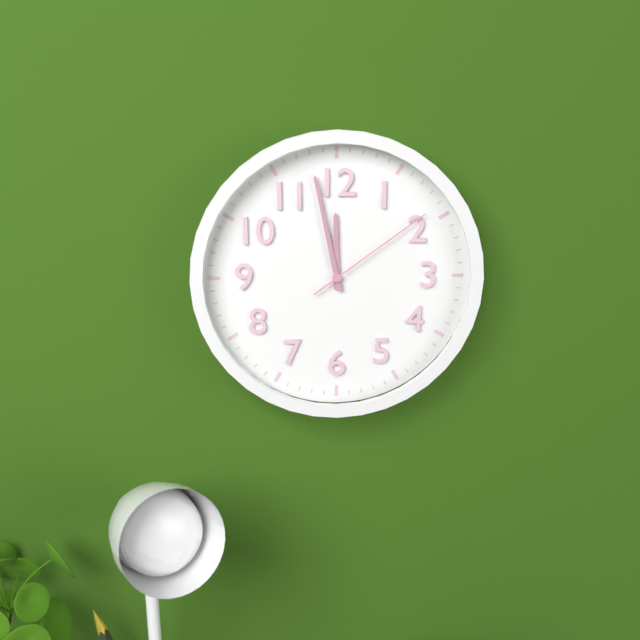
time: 11:58:09
